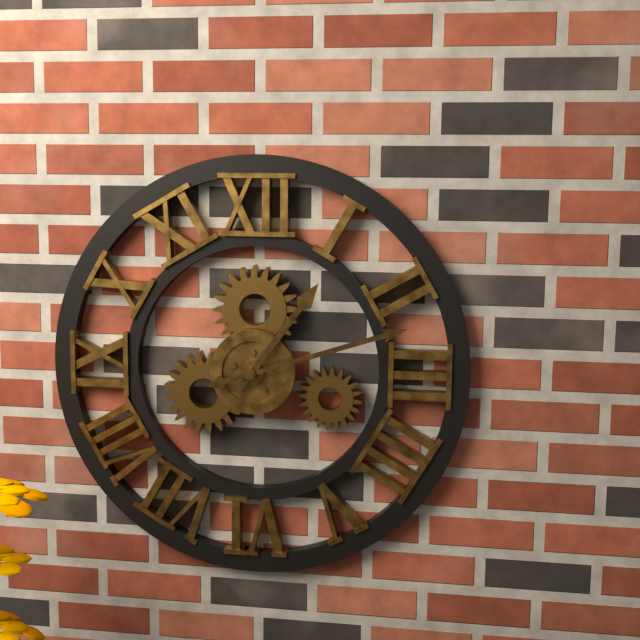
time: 1:12
